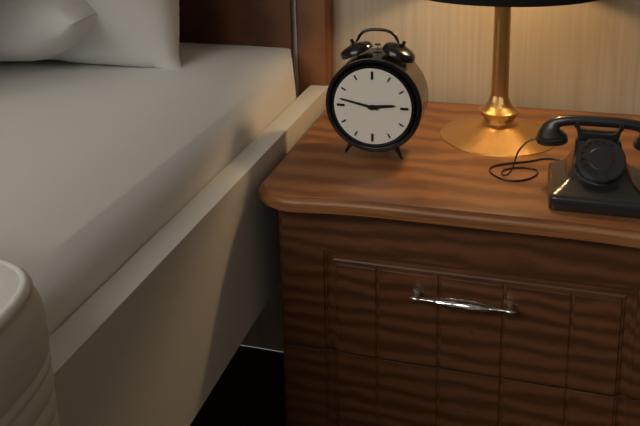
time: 2:47
